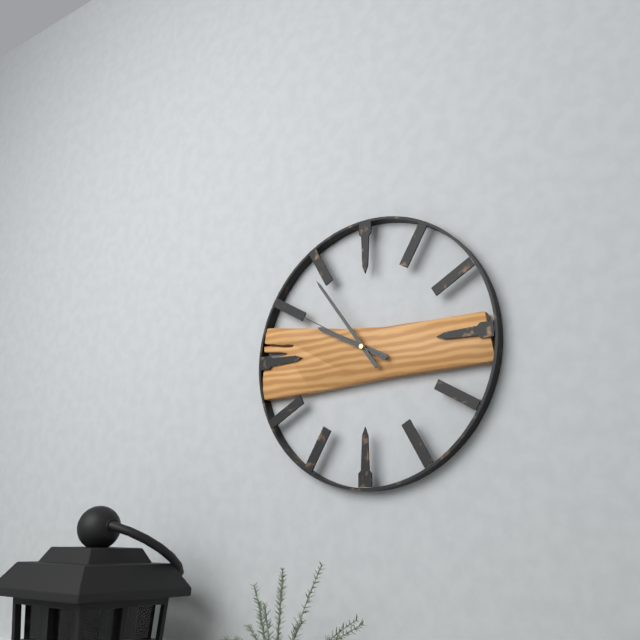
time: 9:54:50
